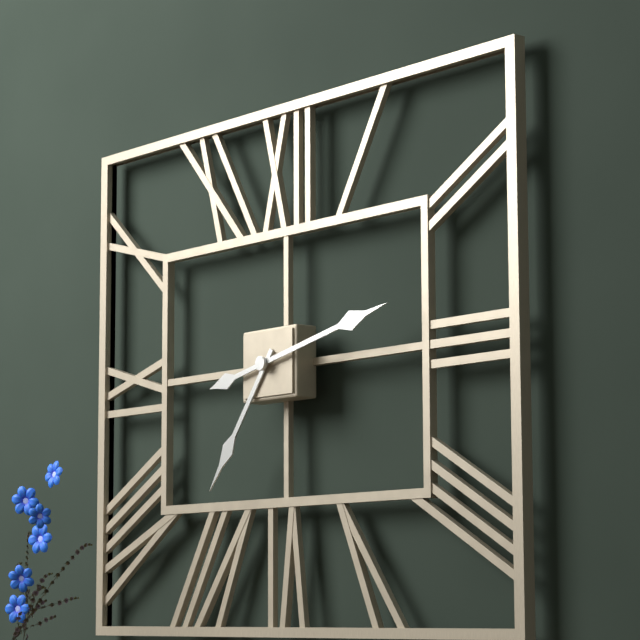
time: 7:13
